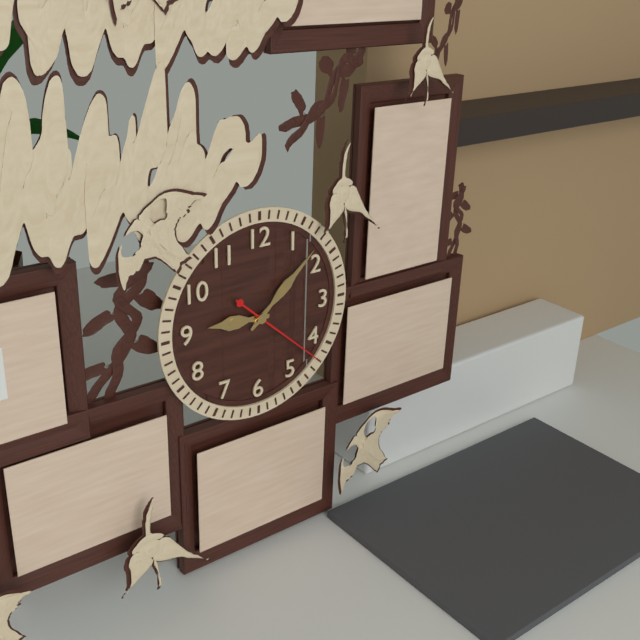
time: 9:08:22
